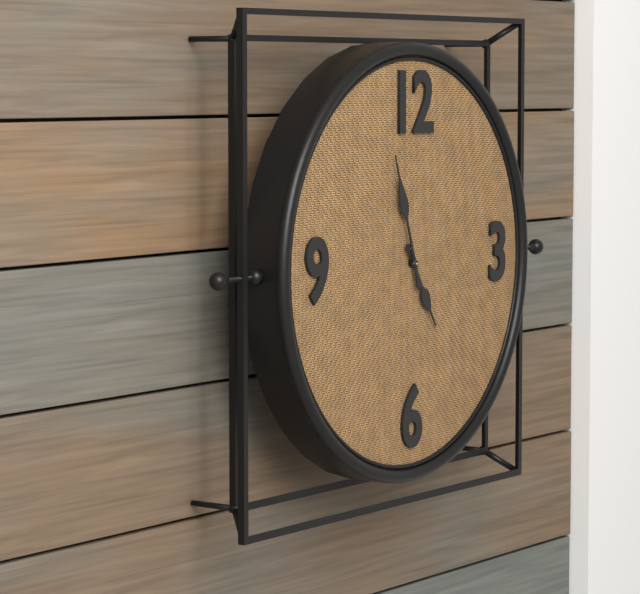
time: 4:57
